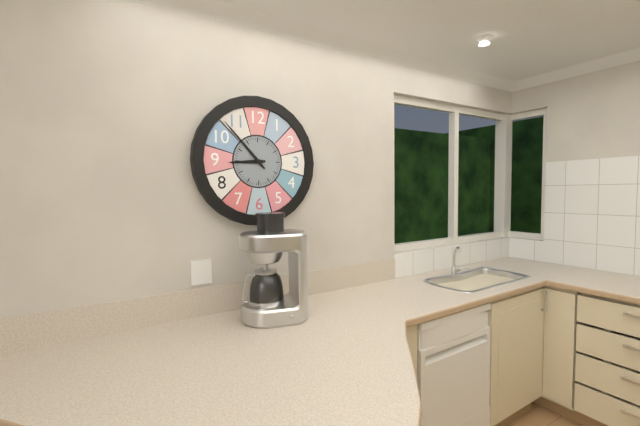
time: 8:53
